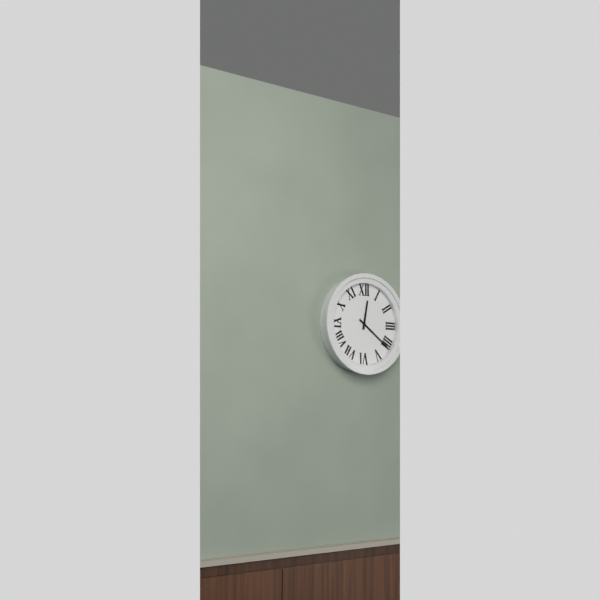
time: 12:21
